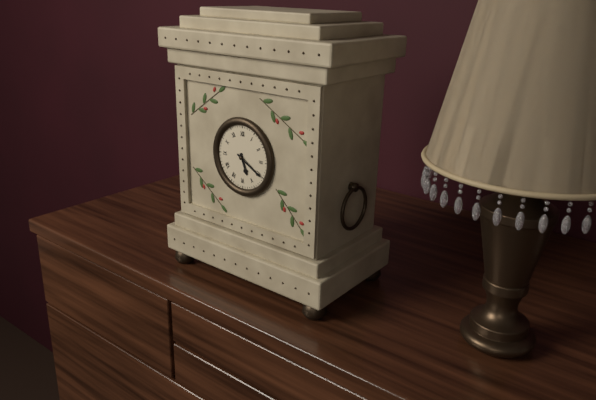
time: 5:20
